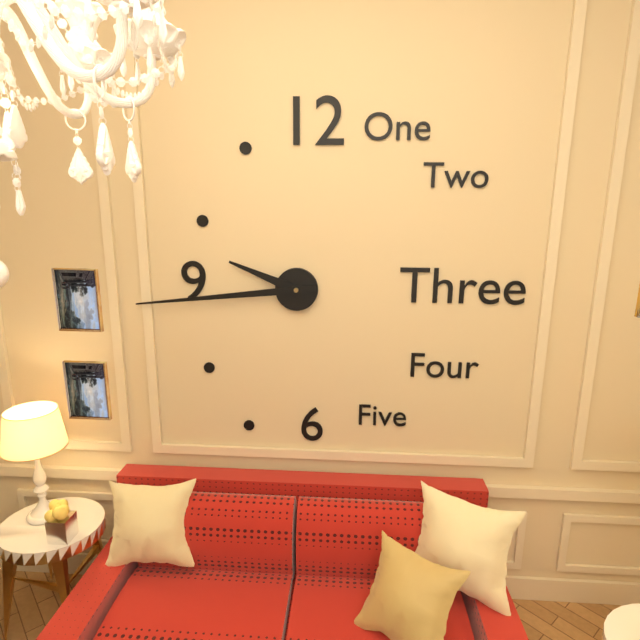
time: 9:44
